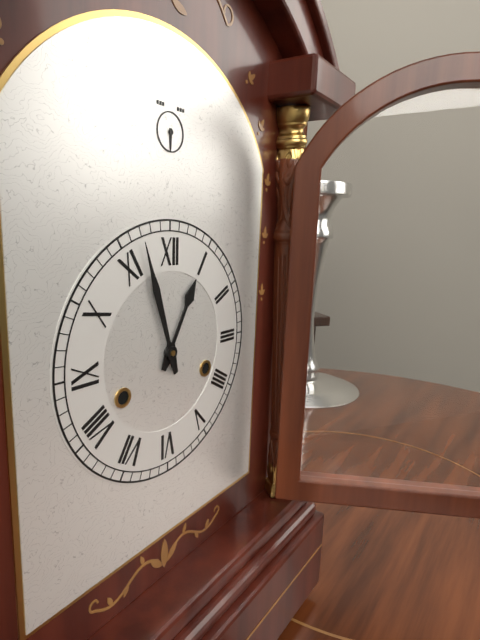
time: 12:57
